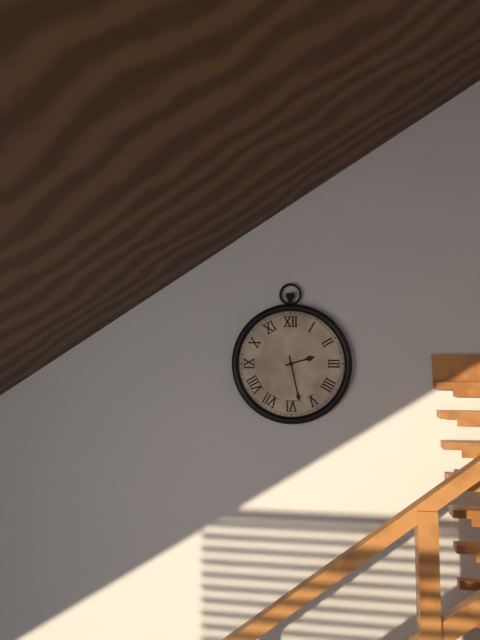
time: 2:28
